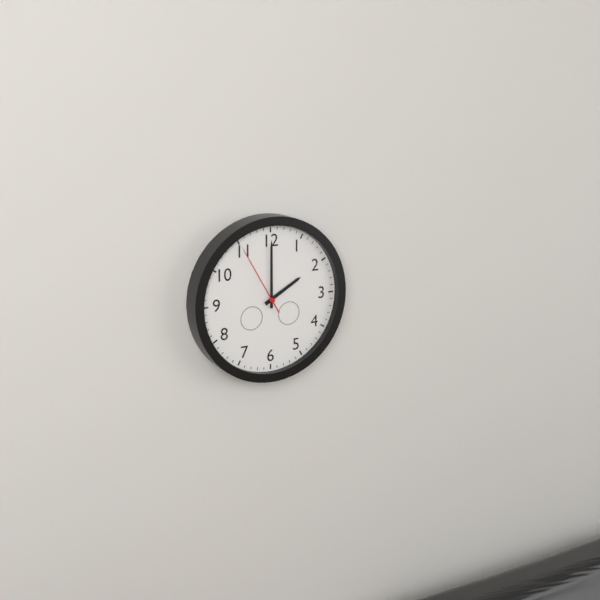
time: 2:00:55
